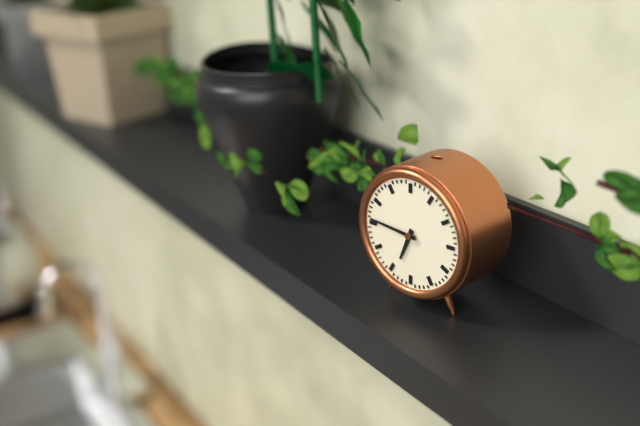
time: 6:46
